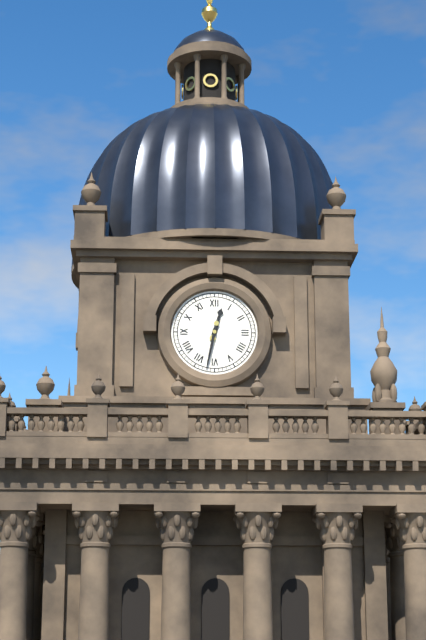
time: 12:32
